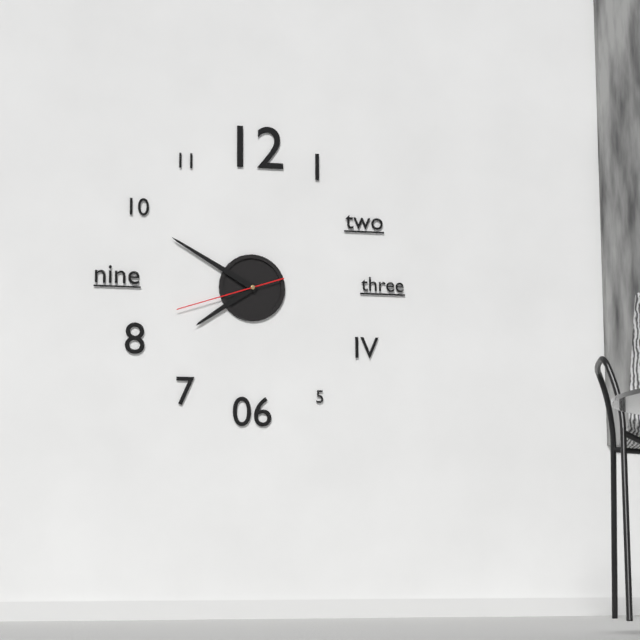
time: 7:50:42
